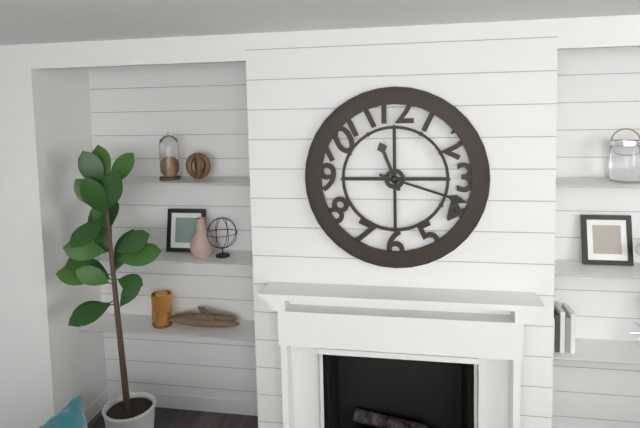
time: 11:18
